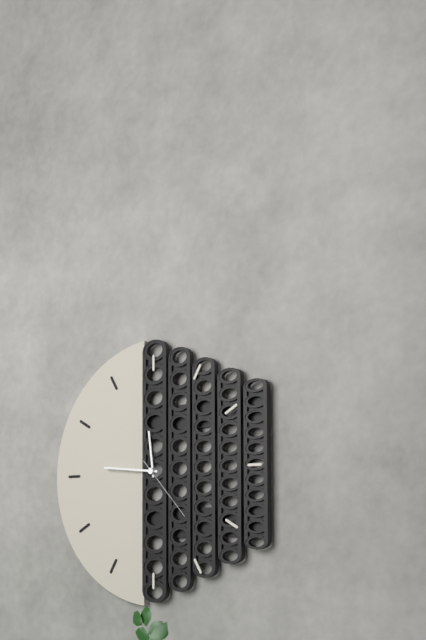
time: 11:46:23
